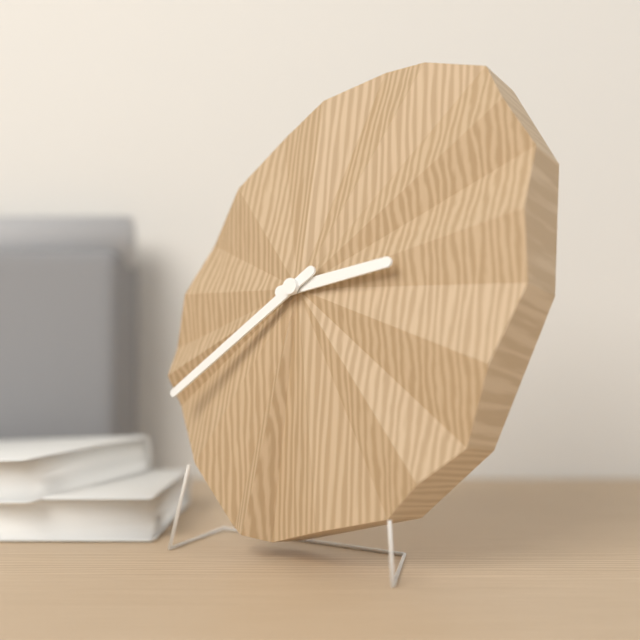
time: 2:39
